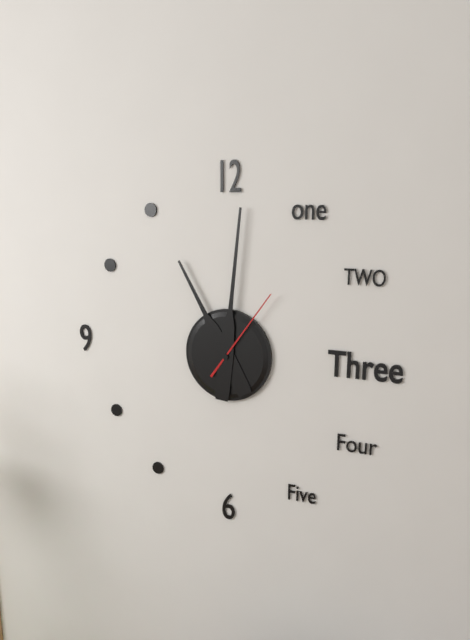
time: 11:01:06
